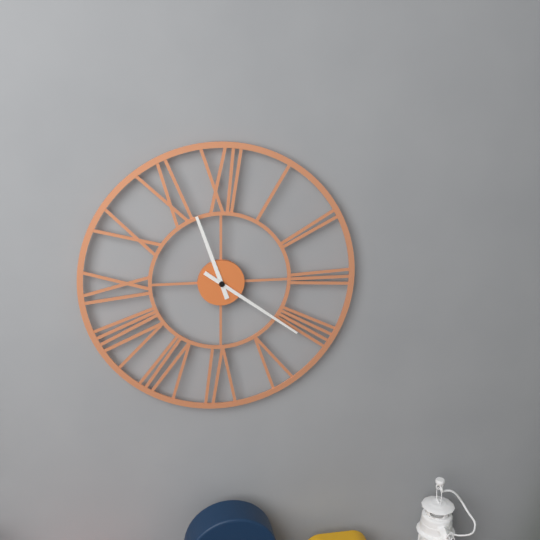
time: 11:21
